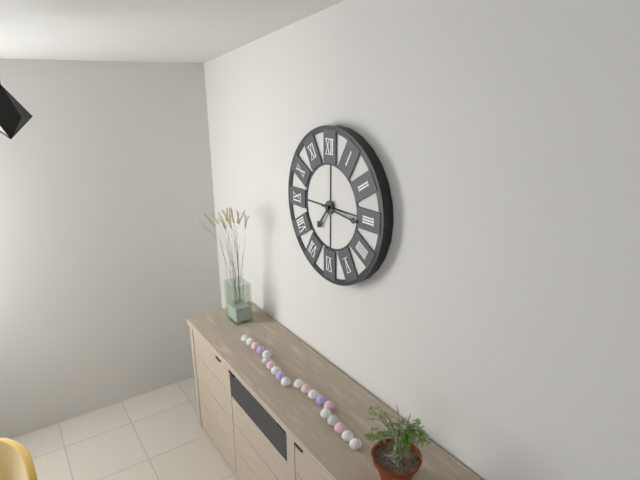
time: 7:16
